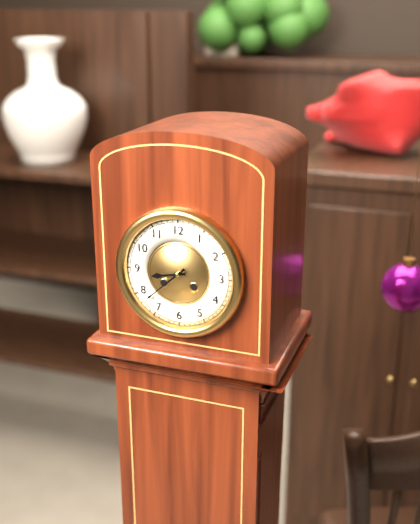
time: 8:38
